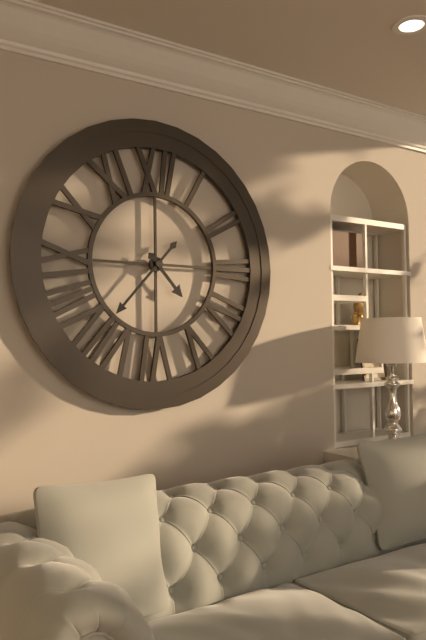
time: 4:37
